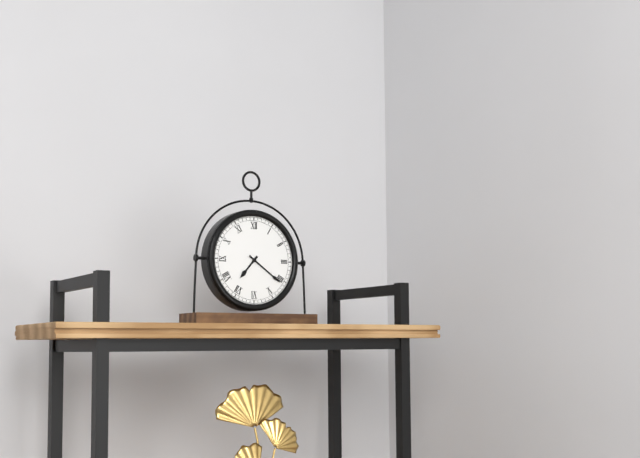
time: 7:21
